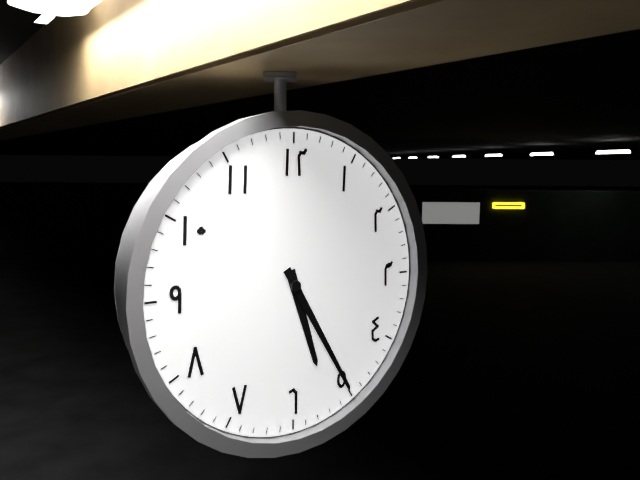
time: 5:25
